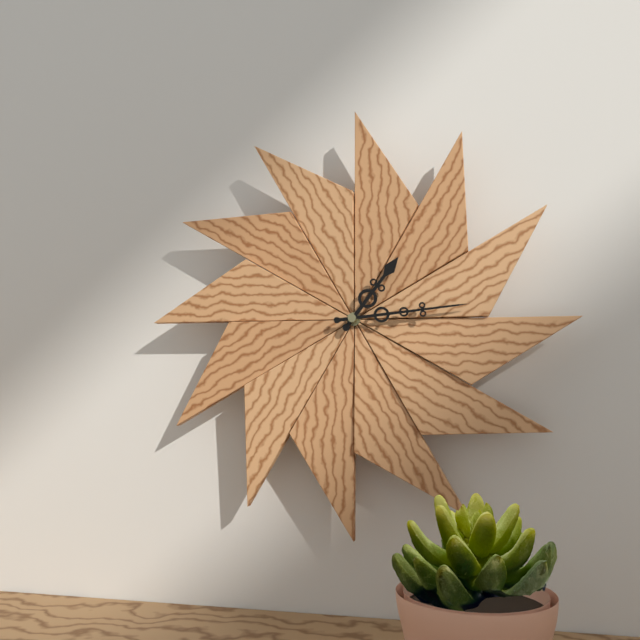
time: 1:14
